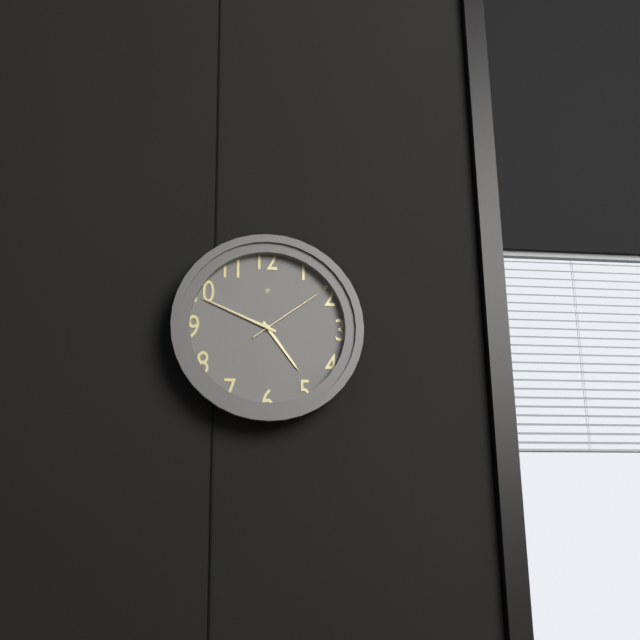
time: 4:49:09
